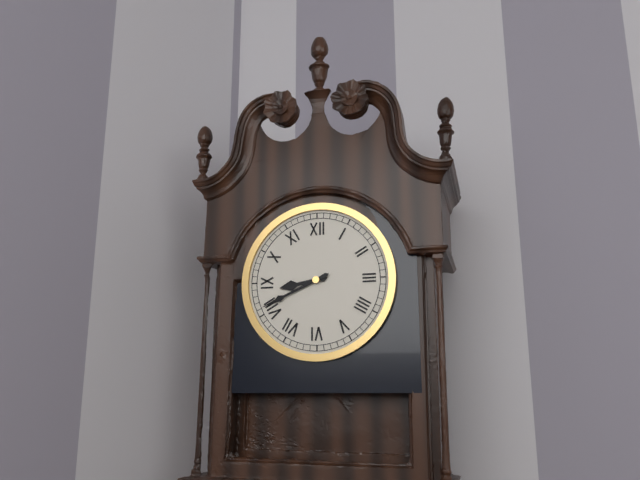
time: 8:41
